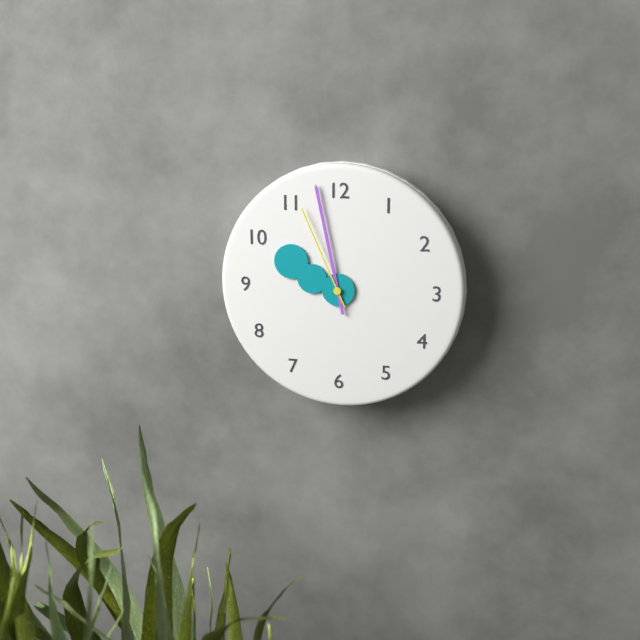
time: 9:58:56
